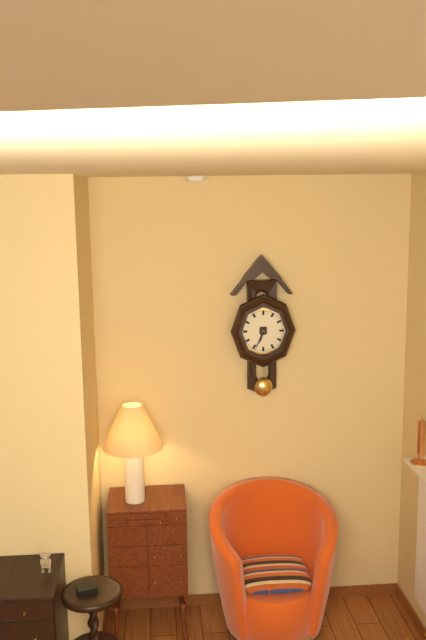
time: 6:34
